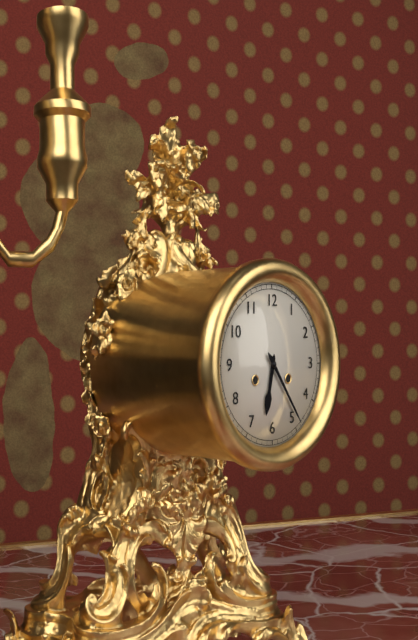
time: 6:24
